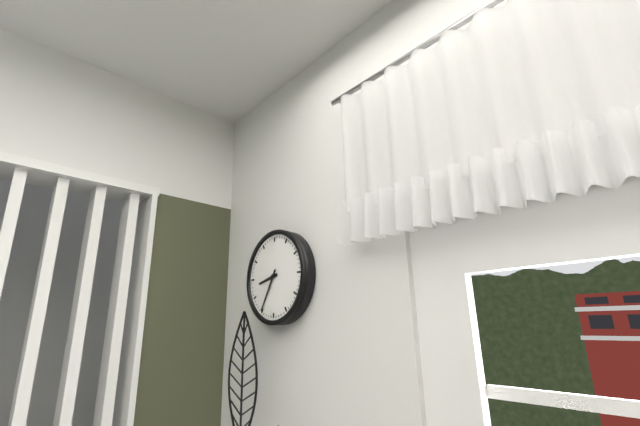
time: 8:35
